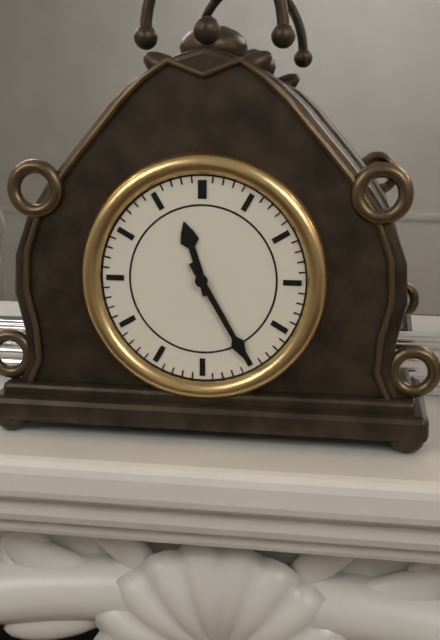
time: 11:25
